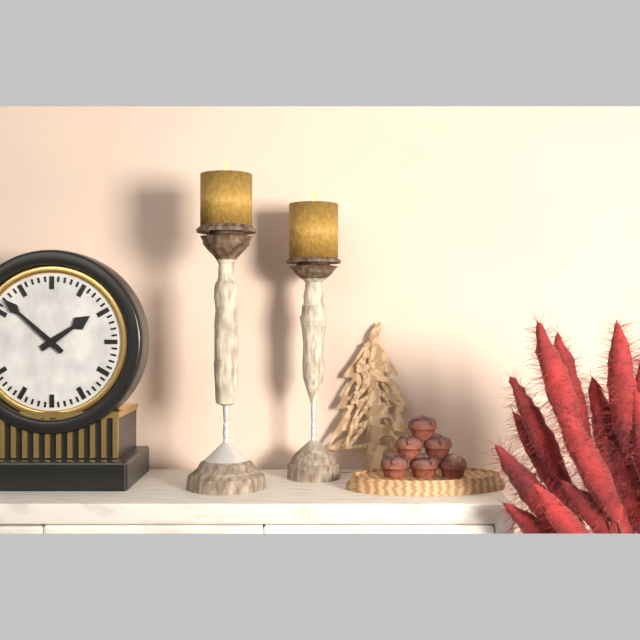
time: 1:52
